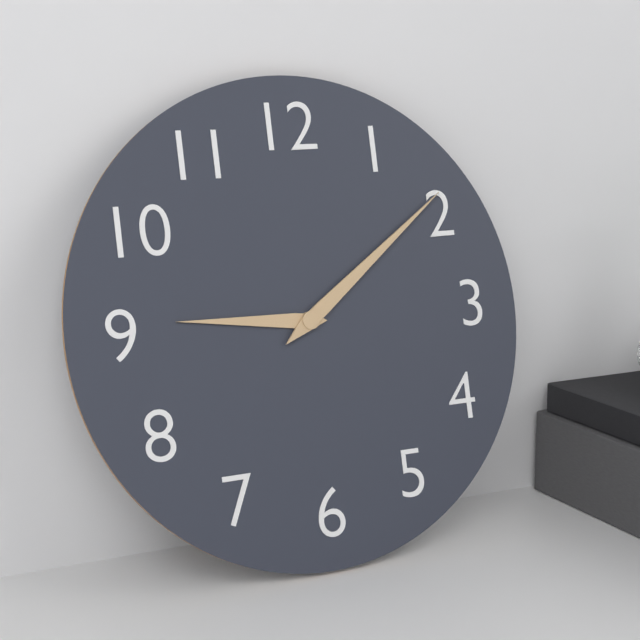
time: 9:09
